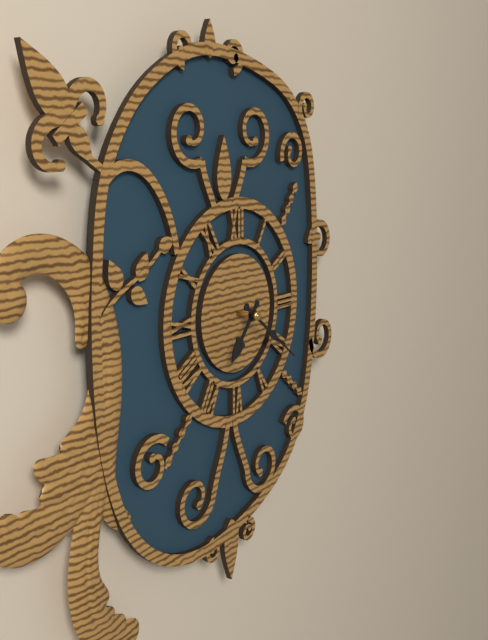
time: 7:21
